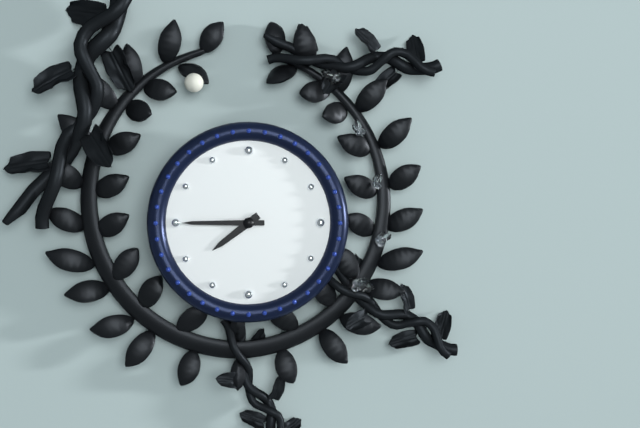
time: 7:45
